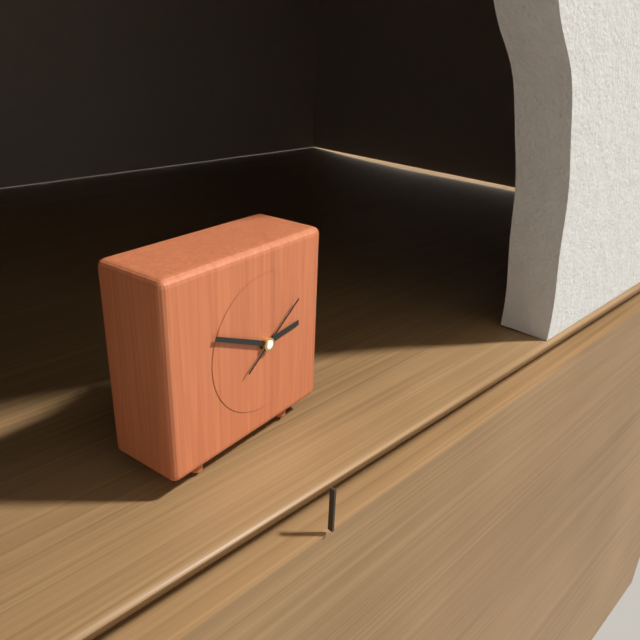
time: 2:49:09
